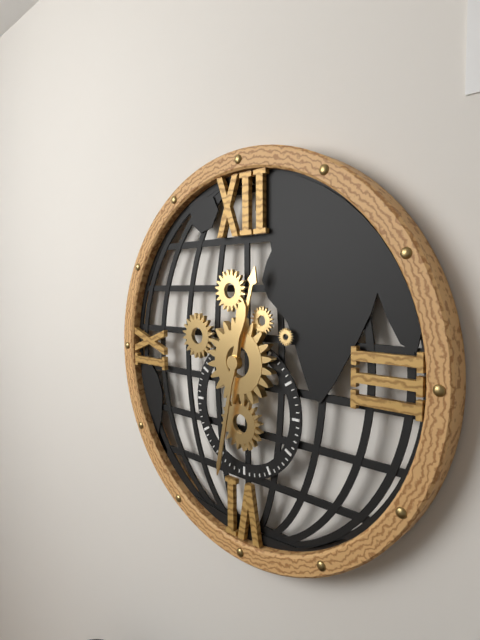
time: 12:32
